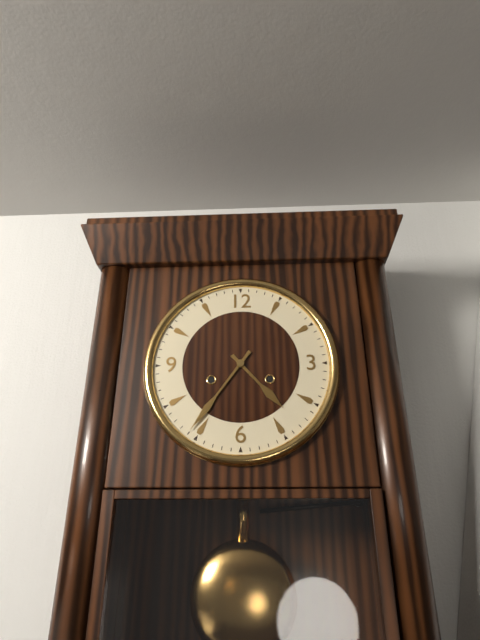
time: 4:36
